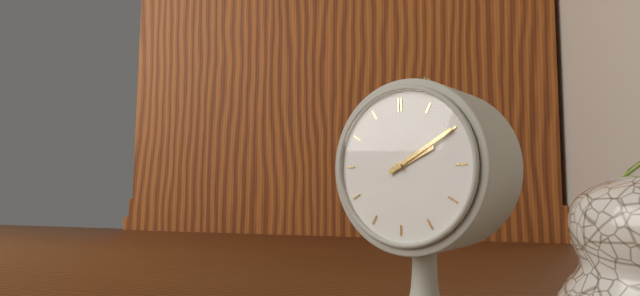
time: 2:10
